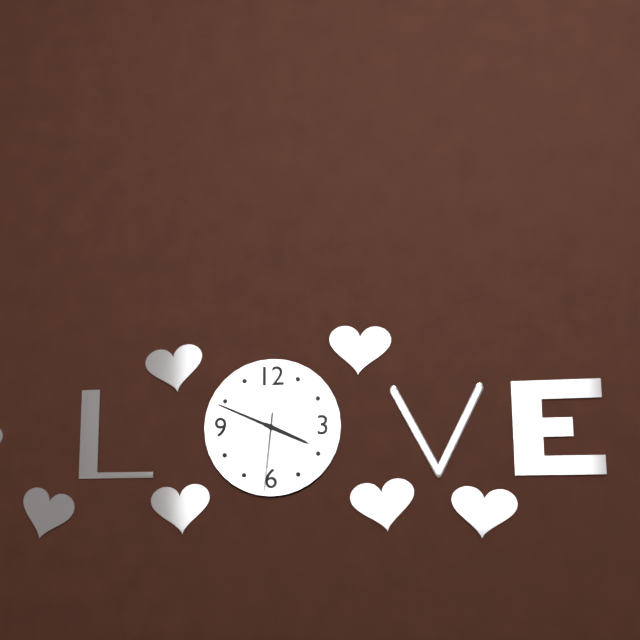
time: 3:49:31
